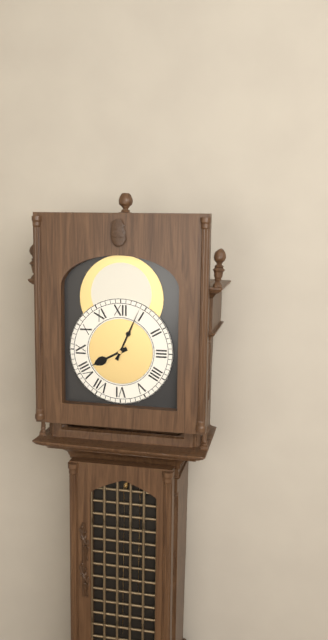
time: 8:04
